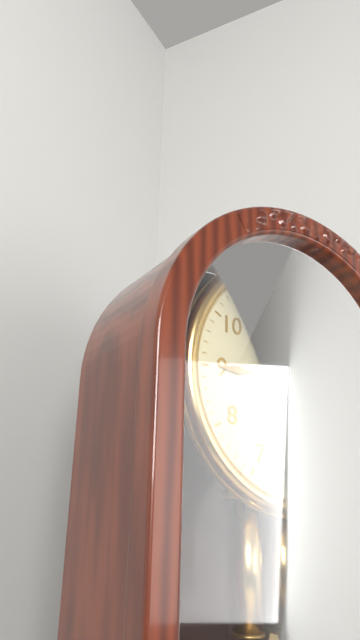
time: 5:45
